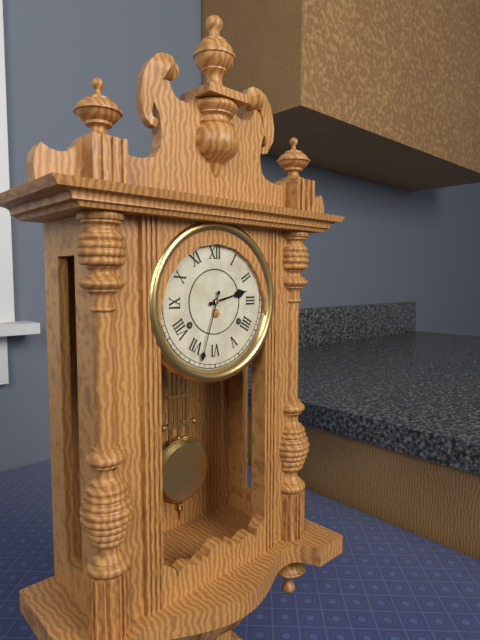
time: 2:33
